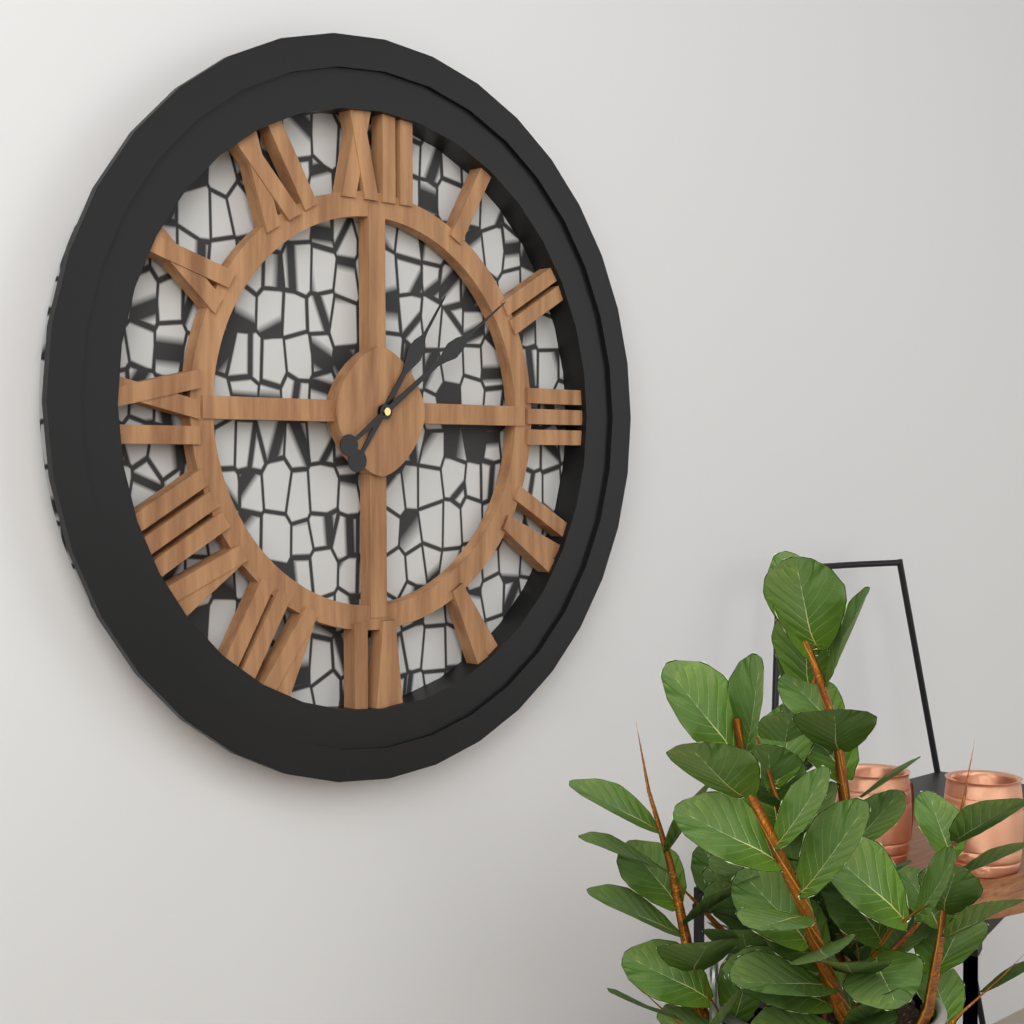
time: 1:09
